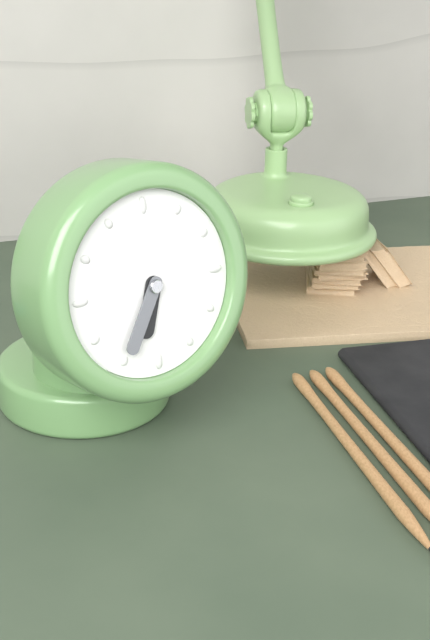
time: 6:35
